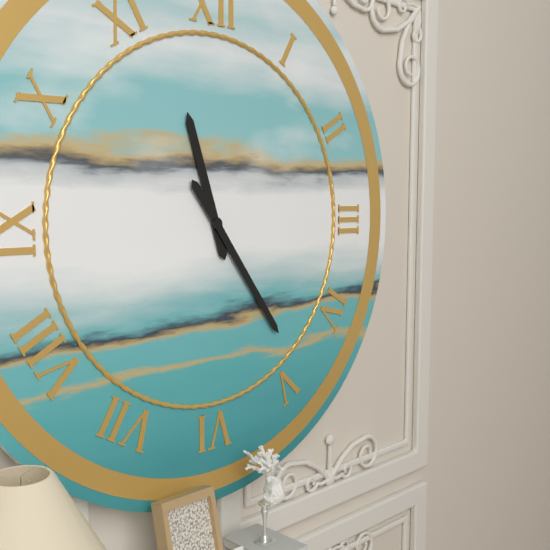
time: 11:24
